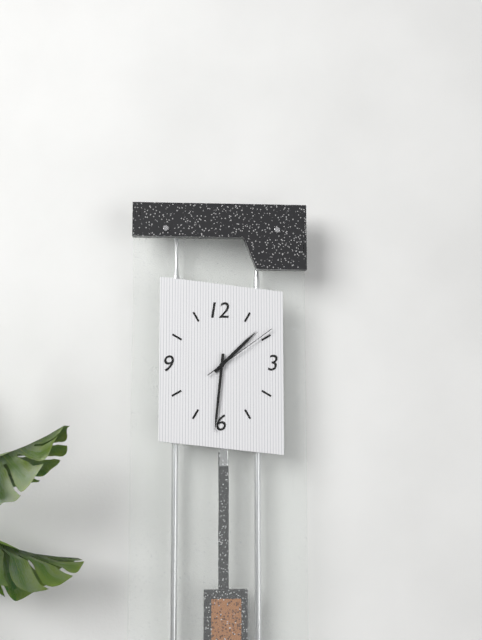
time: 1:31:09
